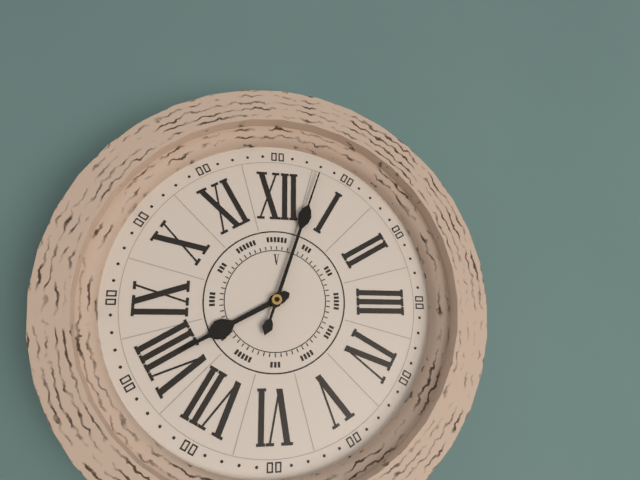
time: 8:03
